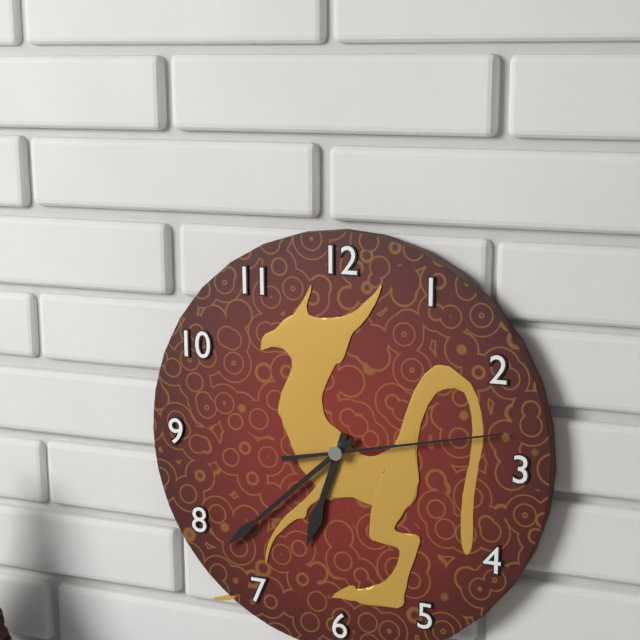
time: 6:38:13
